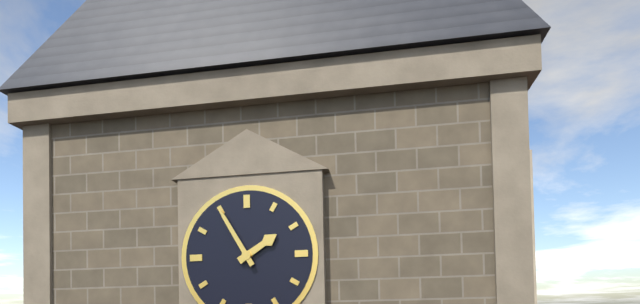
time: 1:55
